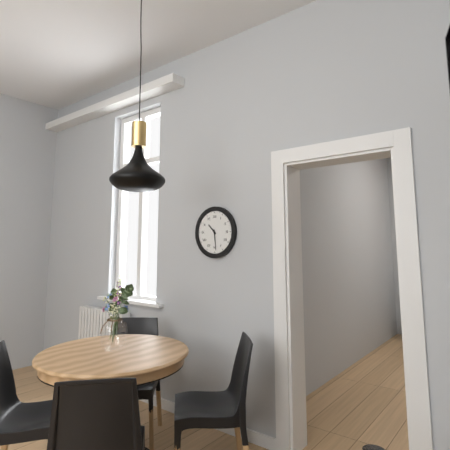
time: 10:29
